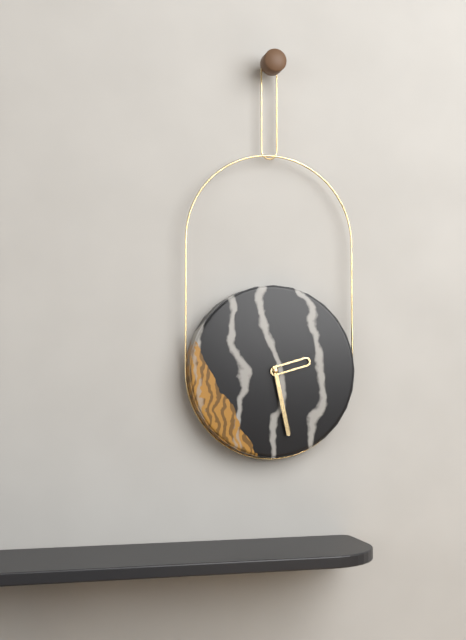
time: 2:28
